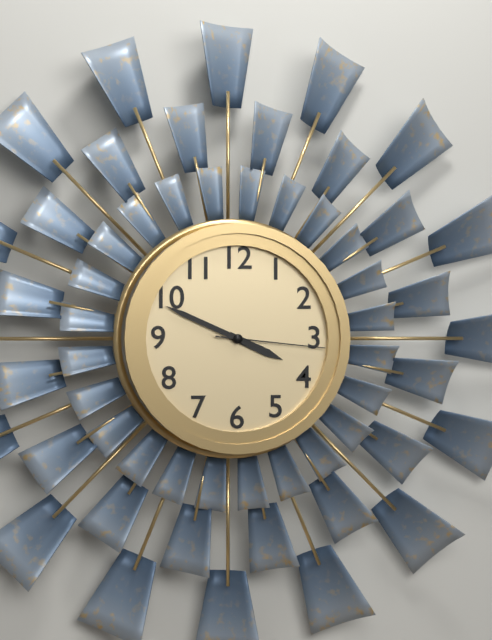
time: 3:49:16
